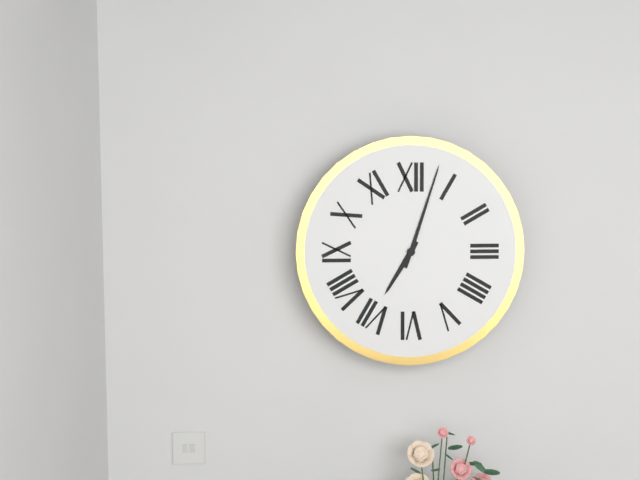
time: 7:03
